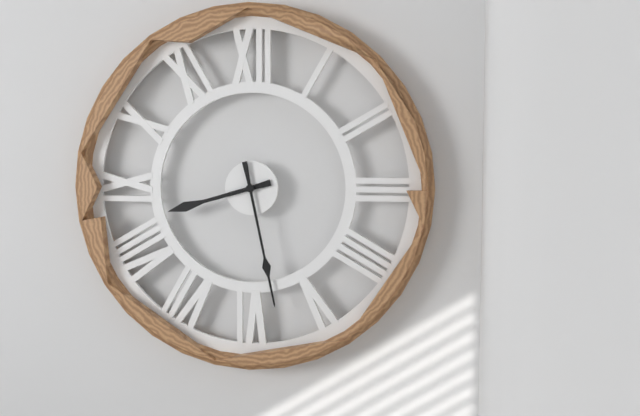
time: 8:28
